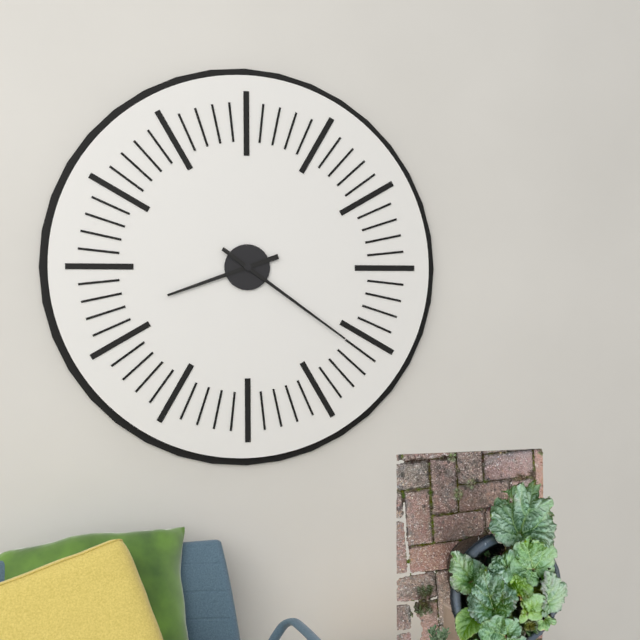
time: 8:21
